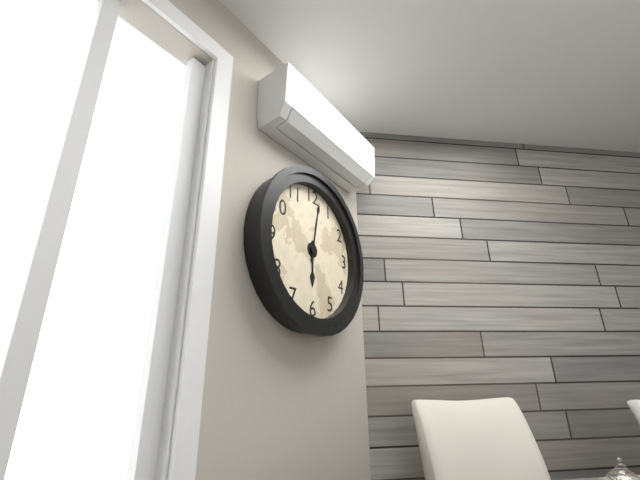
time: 6:02
